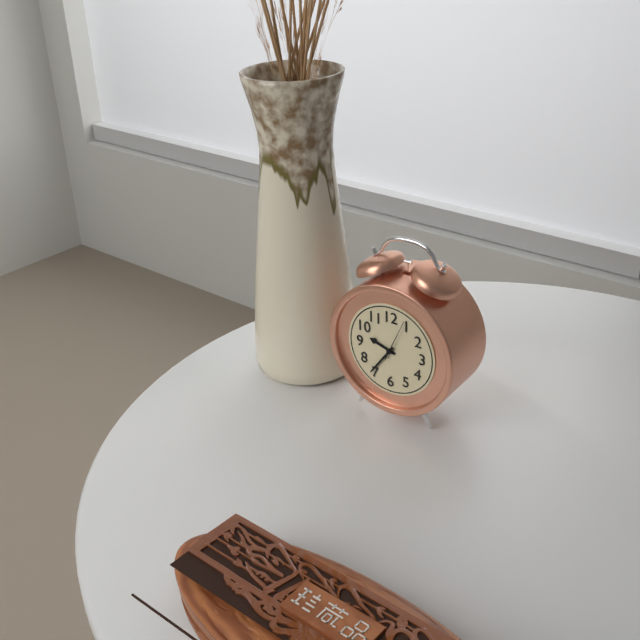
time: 9:36
